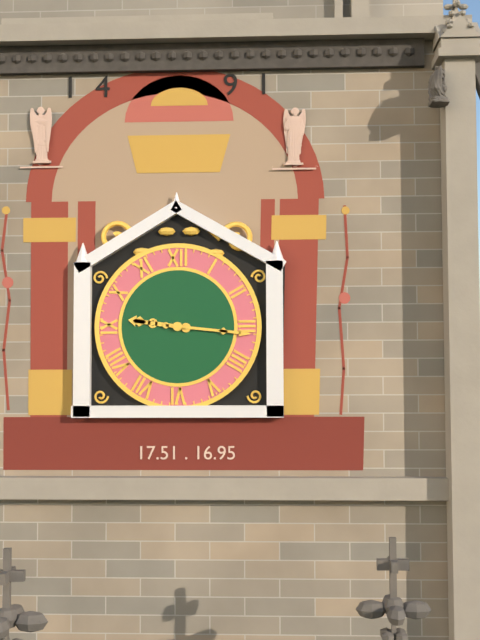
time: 9:16
